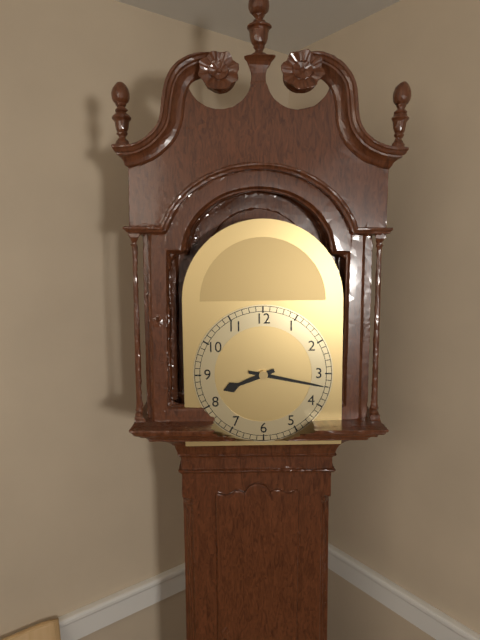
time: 8:17
